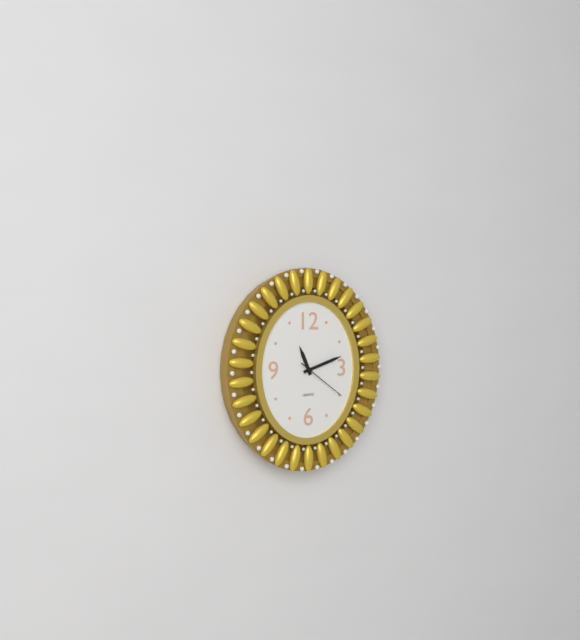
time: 11:12:21
